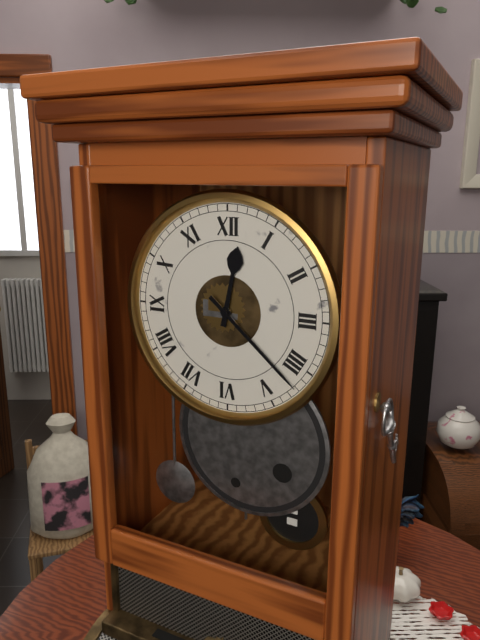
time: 12:22
